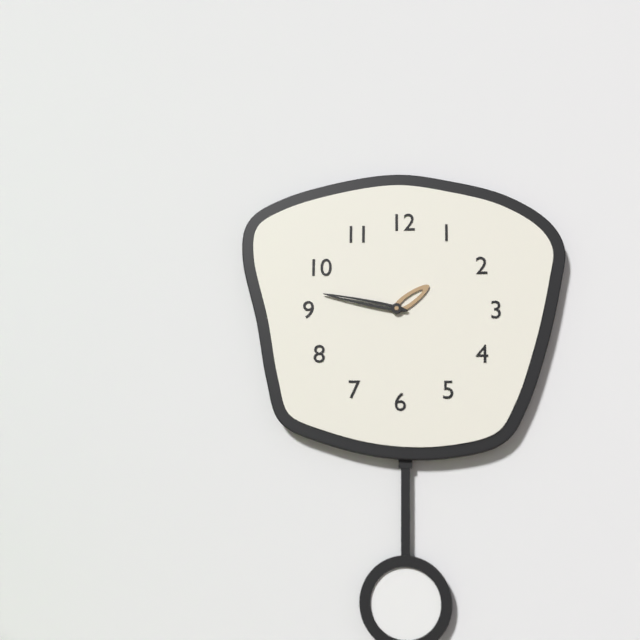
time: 1:47
